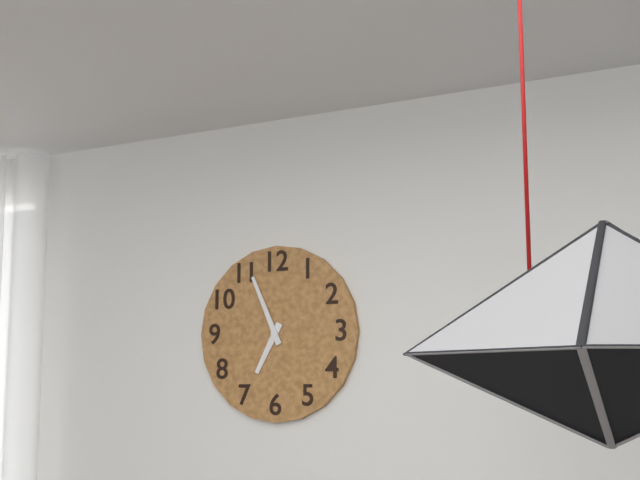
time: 6:56
